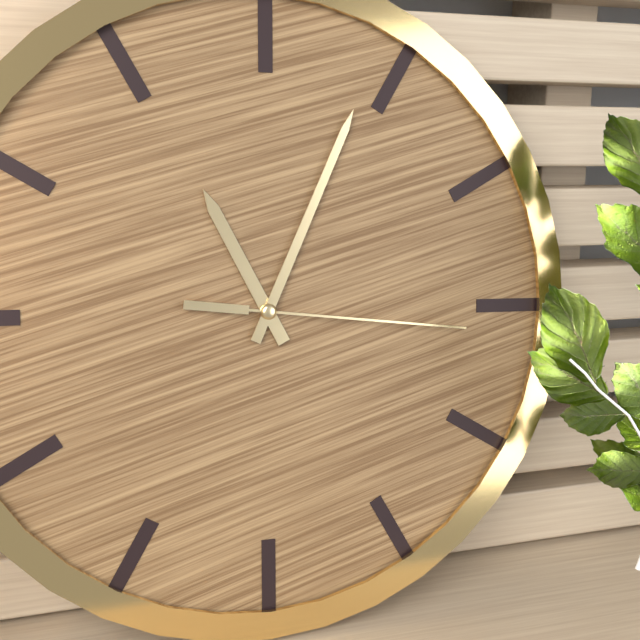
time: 11:04:16
